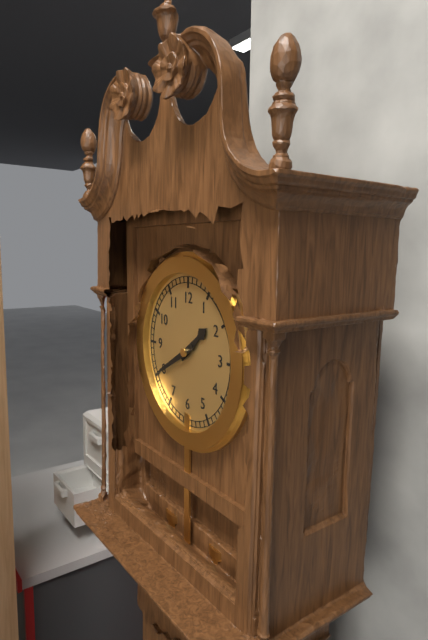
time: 1:40
